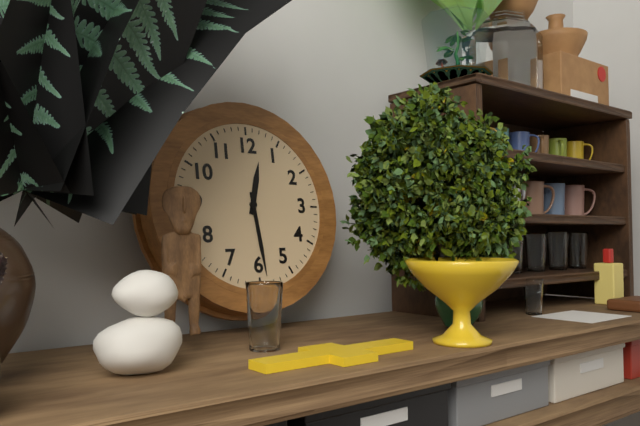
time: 12:29
